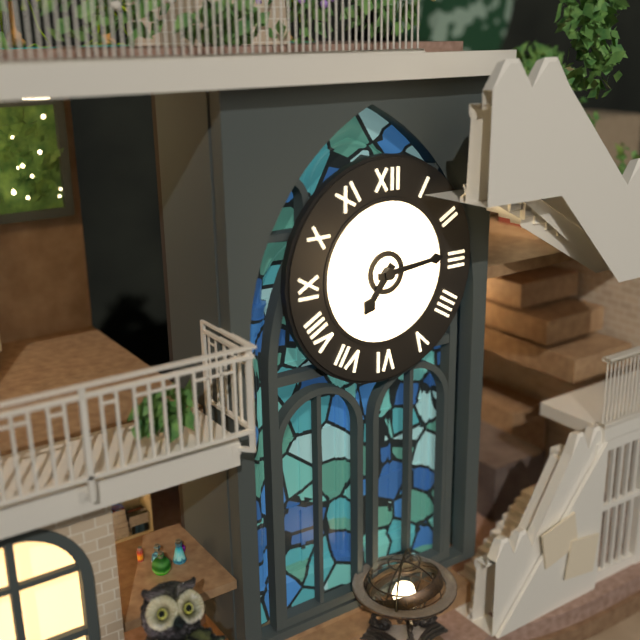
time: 7:14
